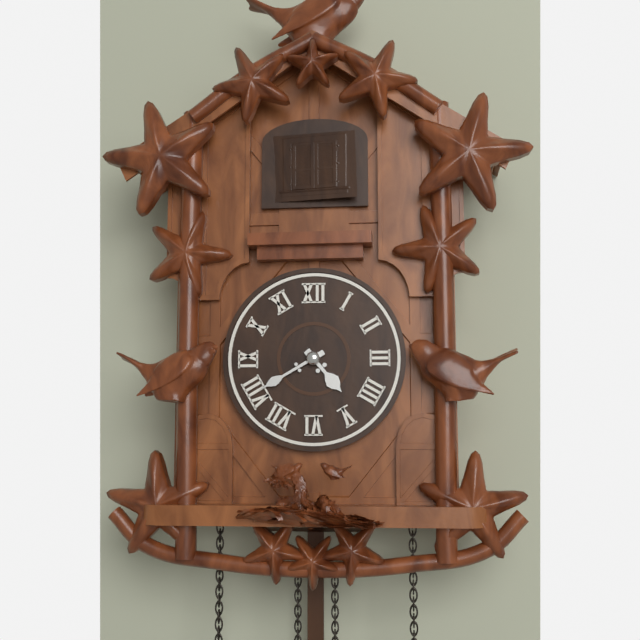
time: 4:40
